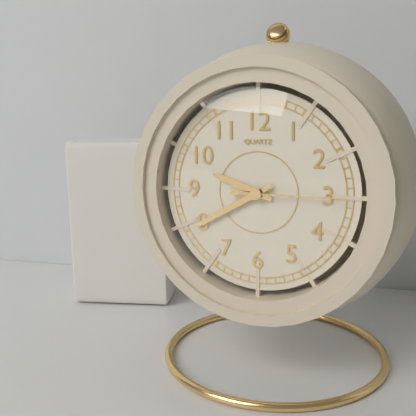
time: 9:40:15
